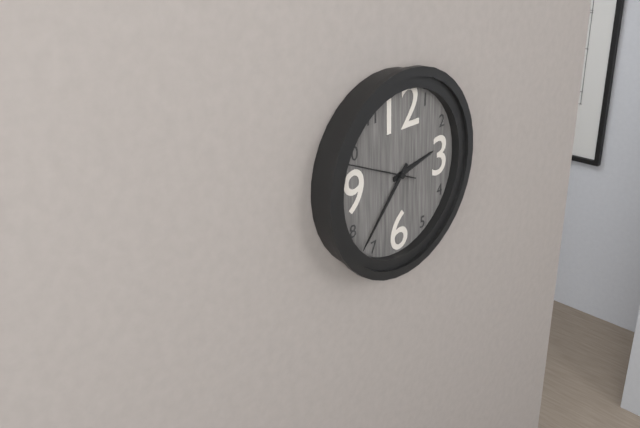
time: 2:37:49
